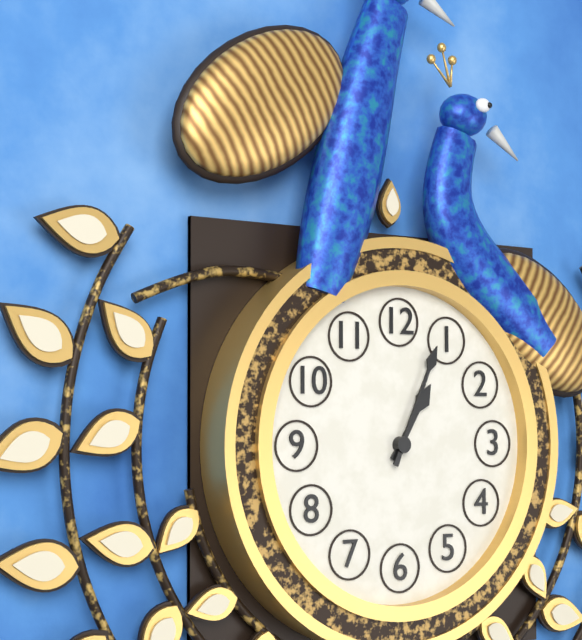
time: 1:04
